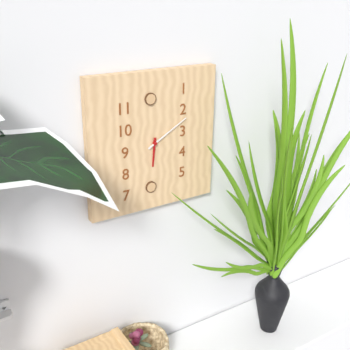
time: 6:10
